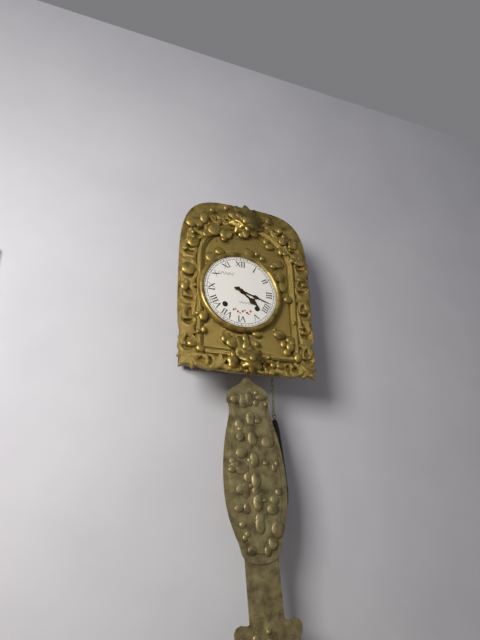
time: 4:18
